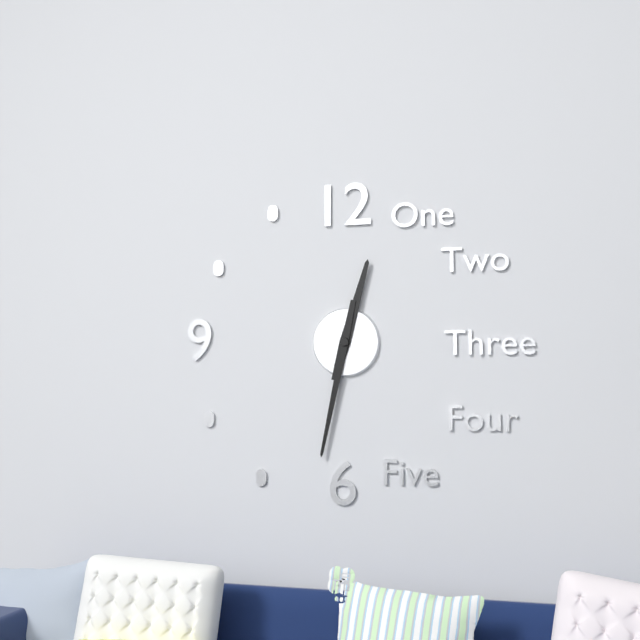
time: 12:32
